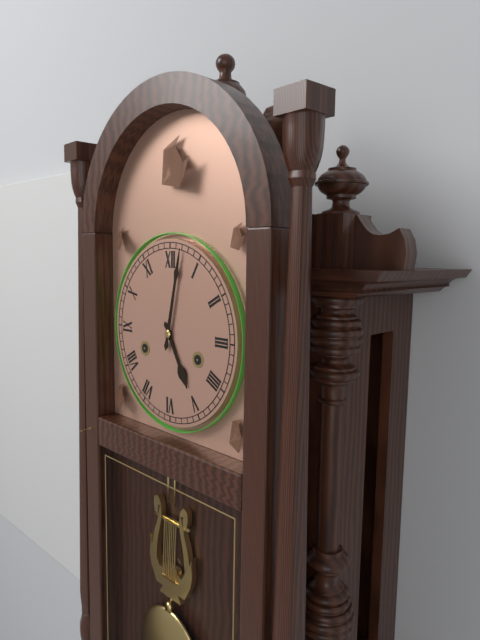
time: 5:02
